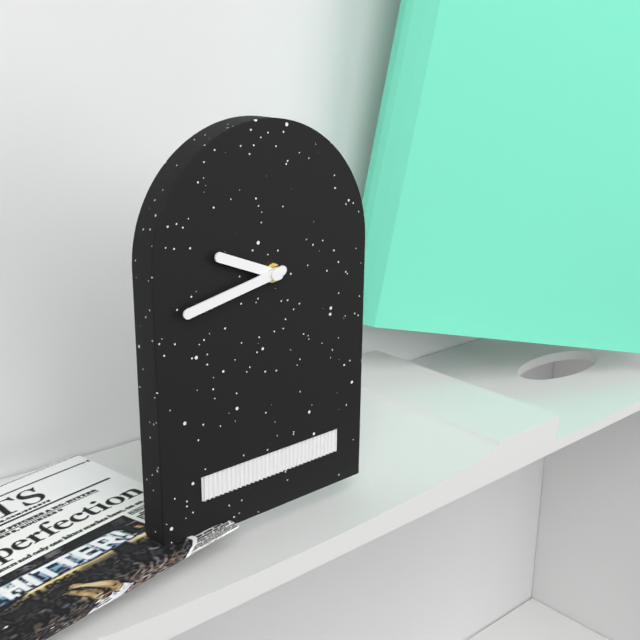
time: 9:43
